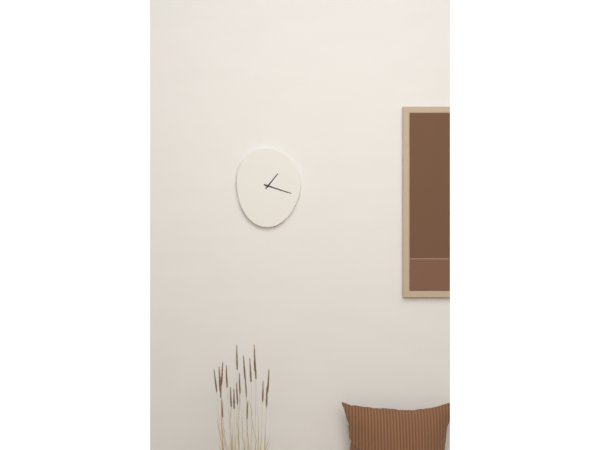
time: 1:18
